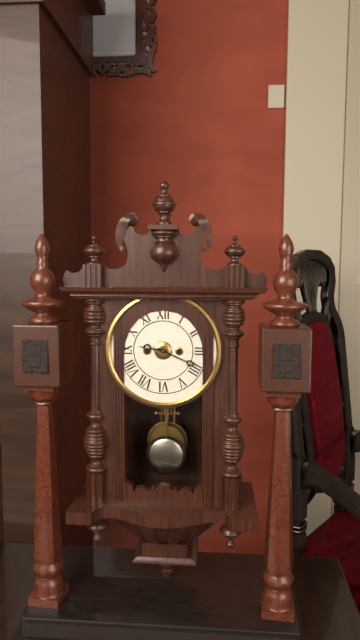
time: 9:19
